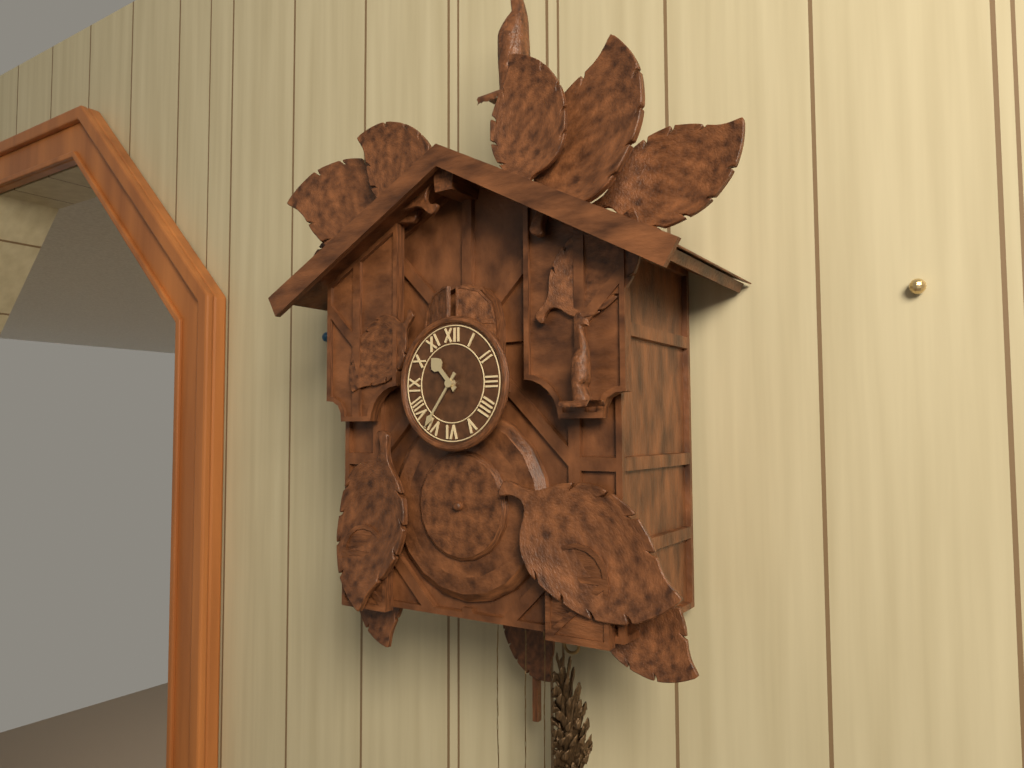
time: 10:36
